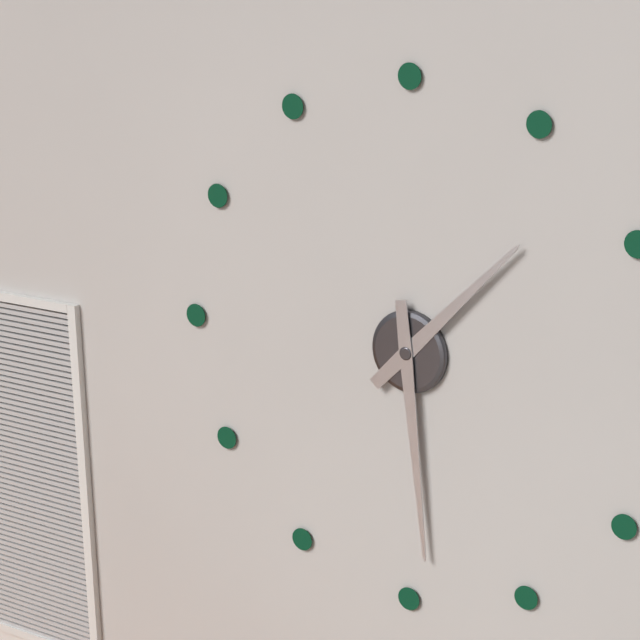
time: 1:29
